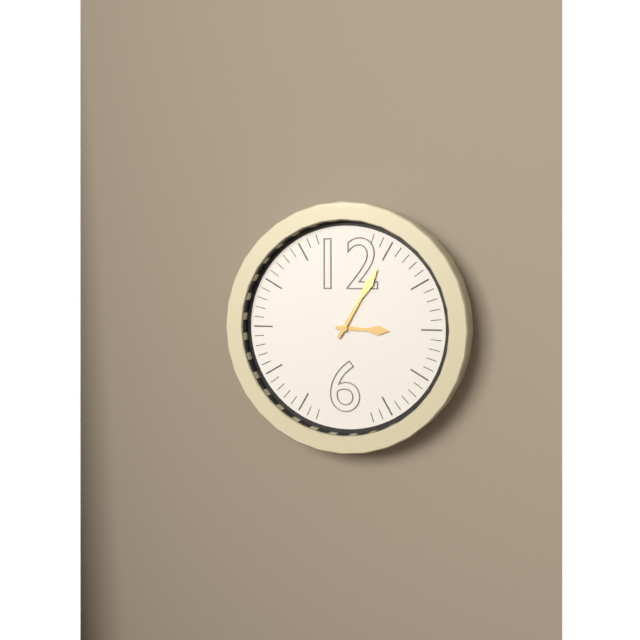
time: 3:05
